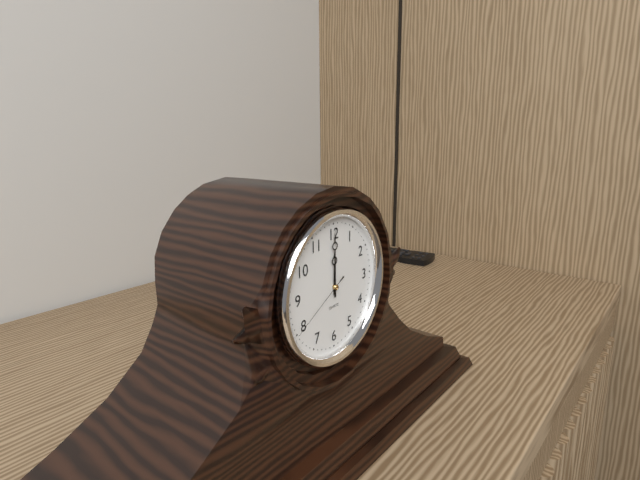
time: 12:00:40
